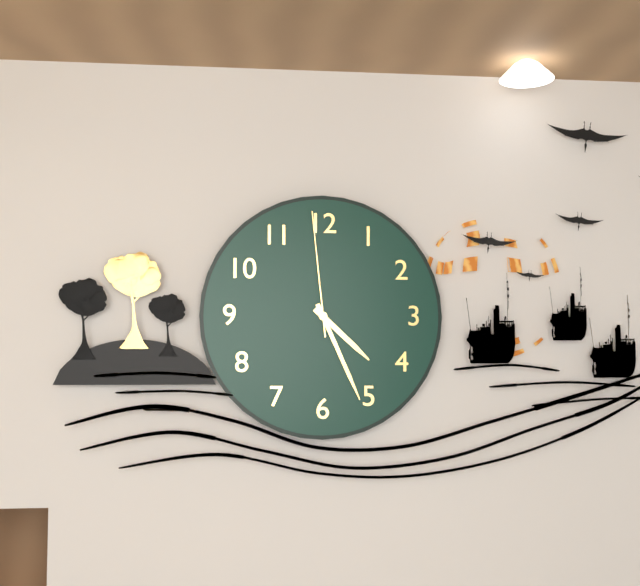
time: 4:26:59
